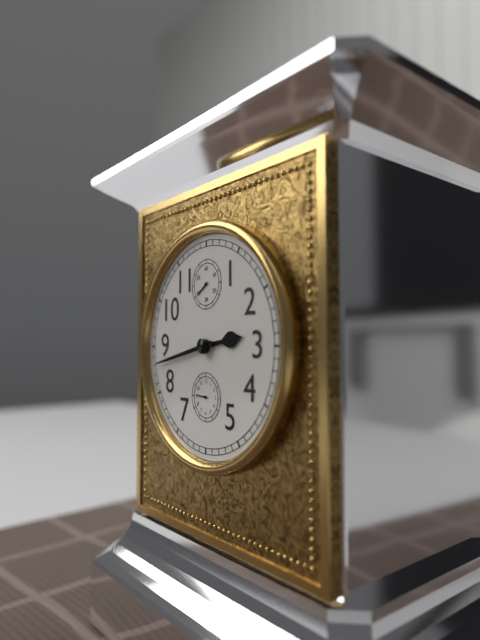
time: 2:43
